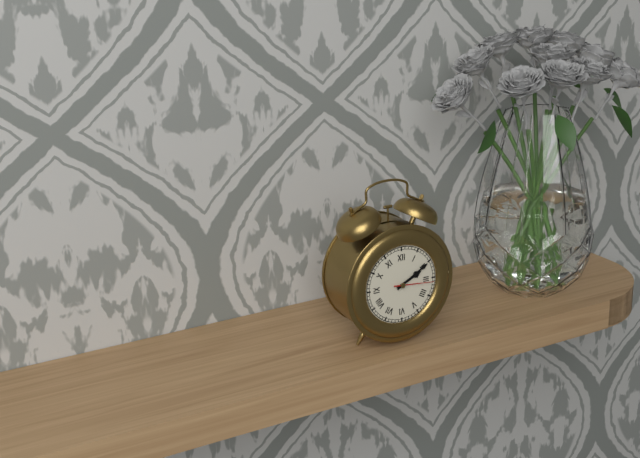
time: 2:10
